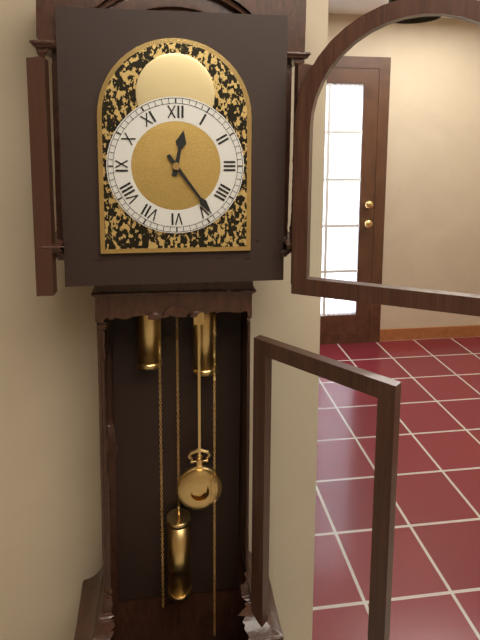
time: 12:24
